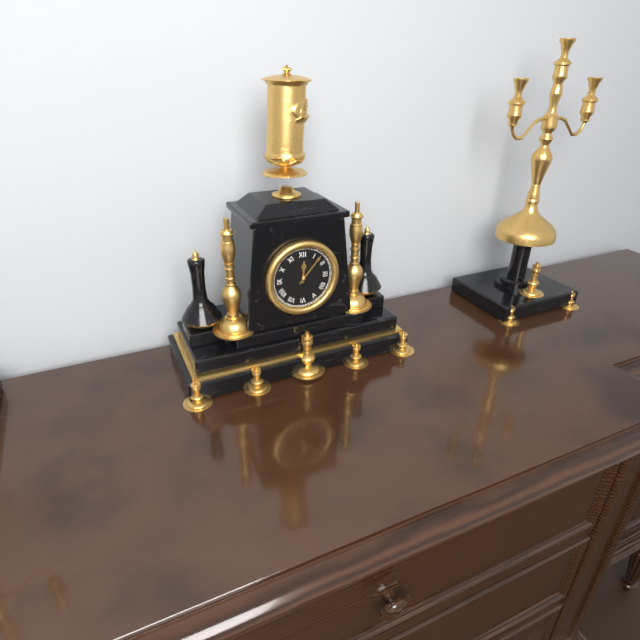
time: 12:07
